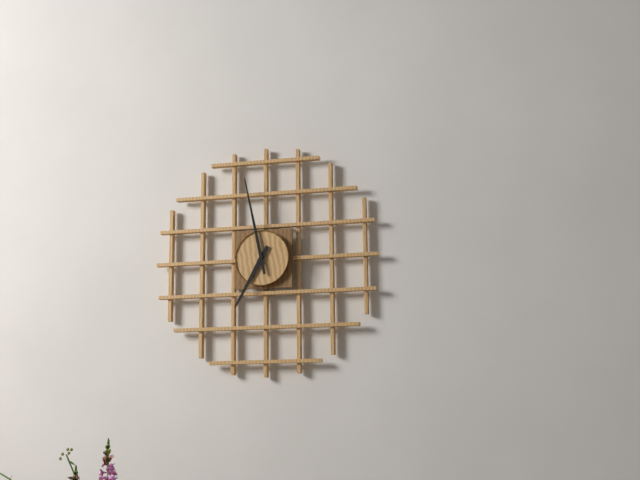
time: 6:58
